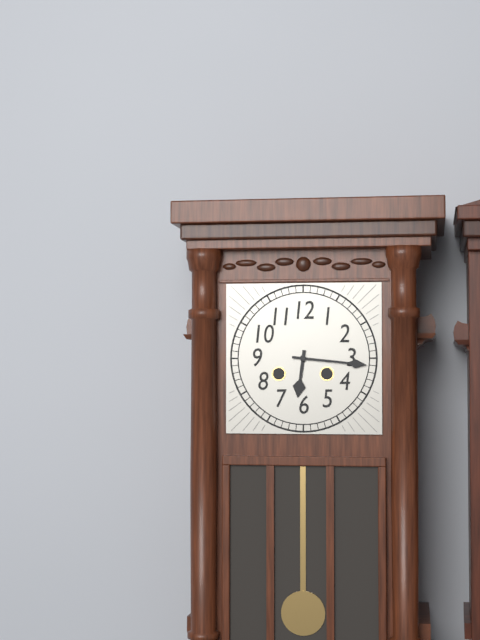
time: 6:16
